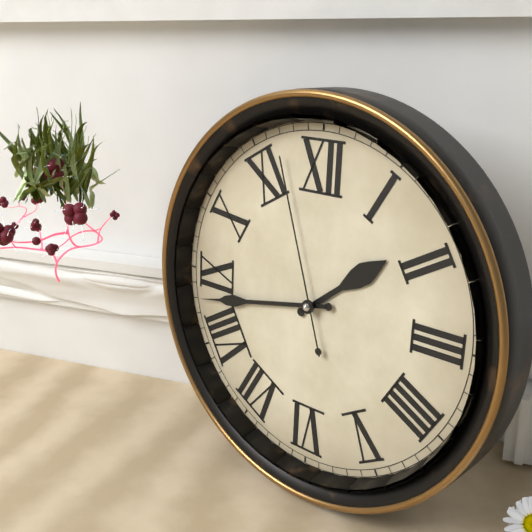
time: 1:43:57
